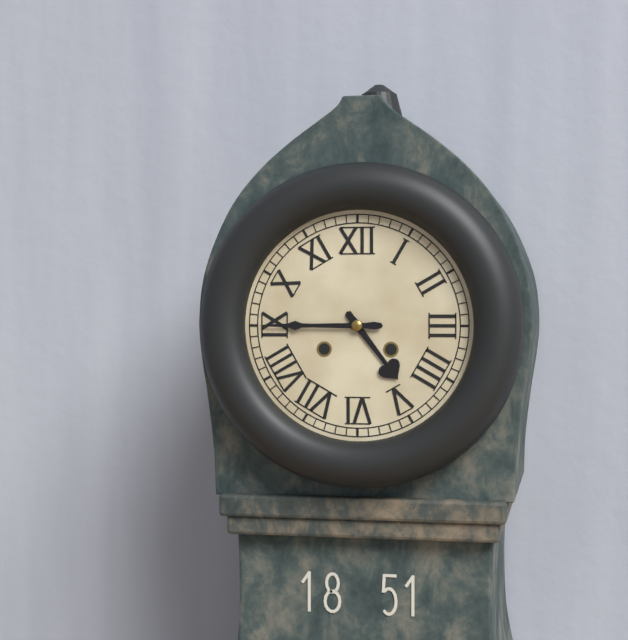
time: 4:45
